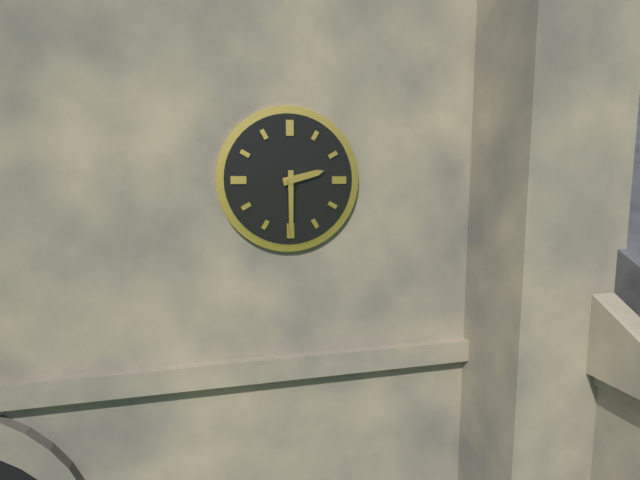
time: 2:30
